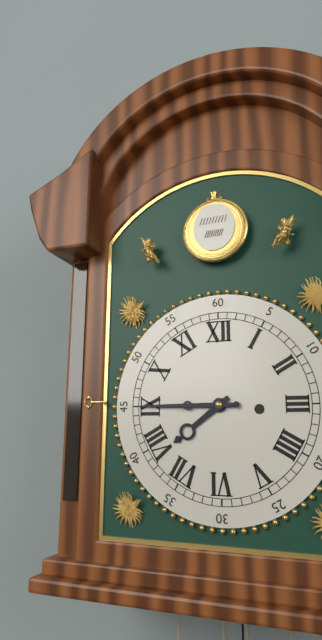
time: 7:45
